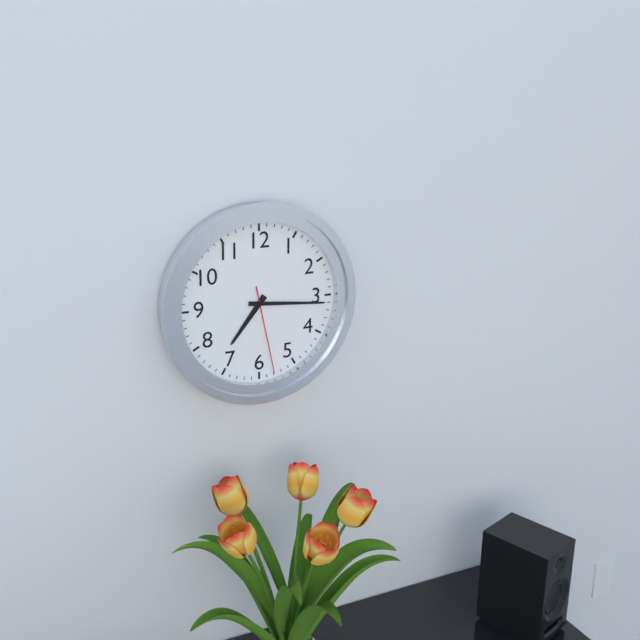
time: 7:16:28
